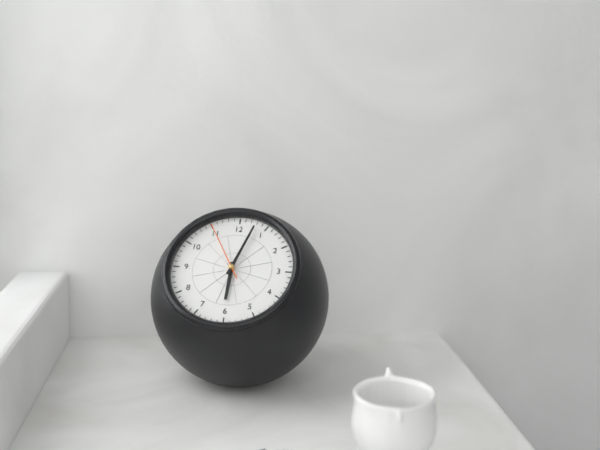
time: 6:03:55
